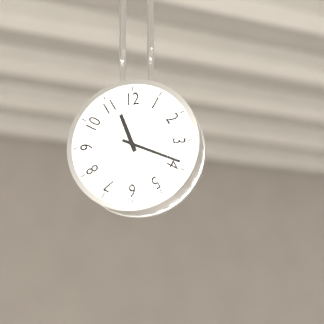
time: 11:19
